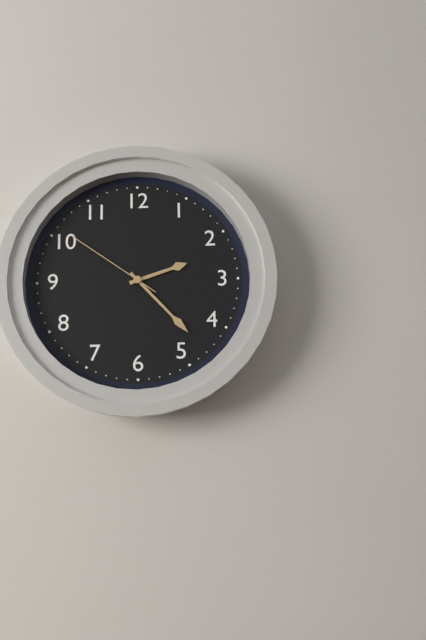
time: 2:23:51
